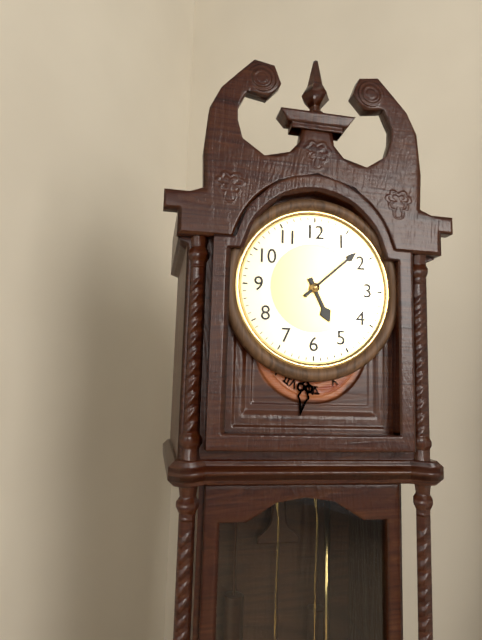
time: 5:08
